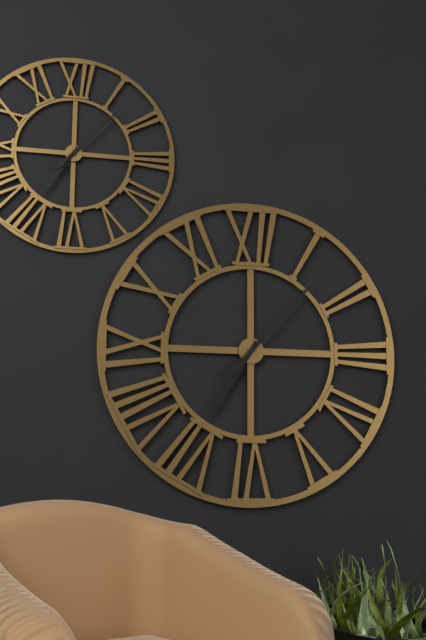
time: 7:07
